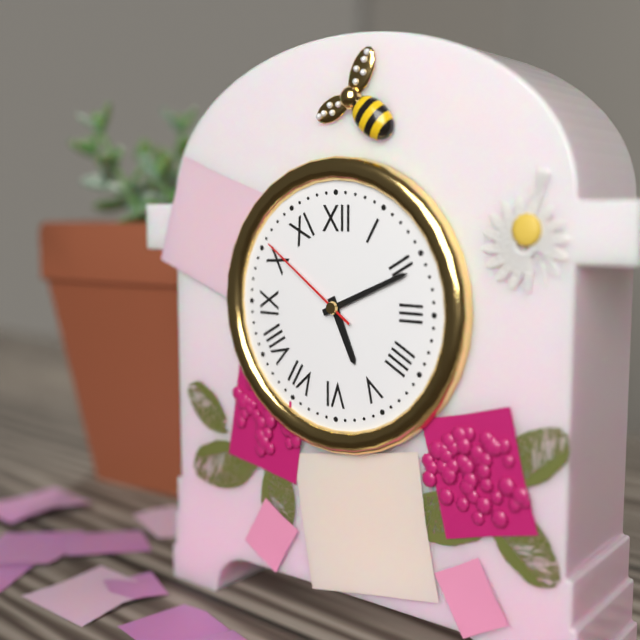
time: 5:11:51
